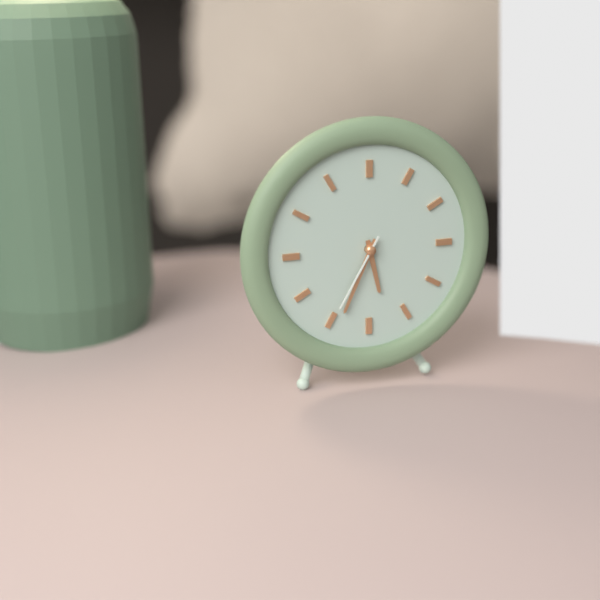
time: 5:34:35
